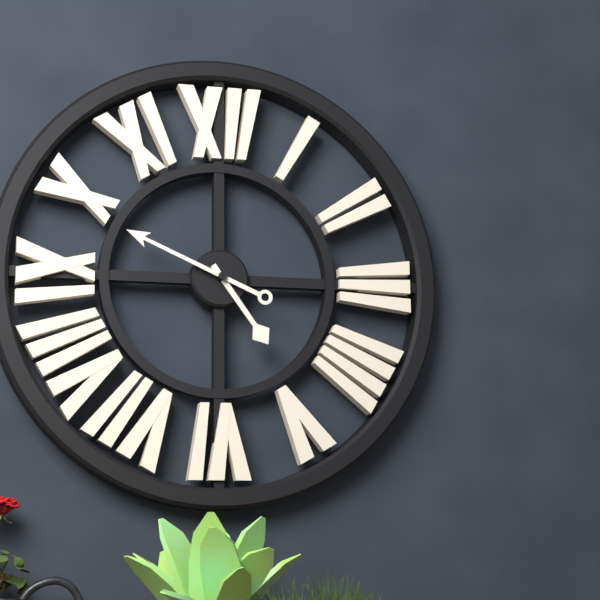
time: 4:49
